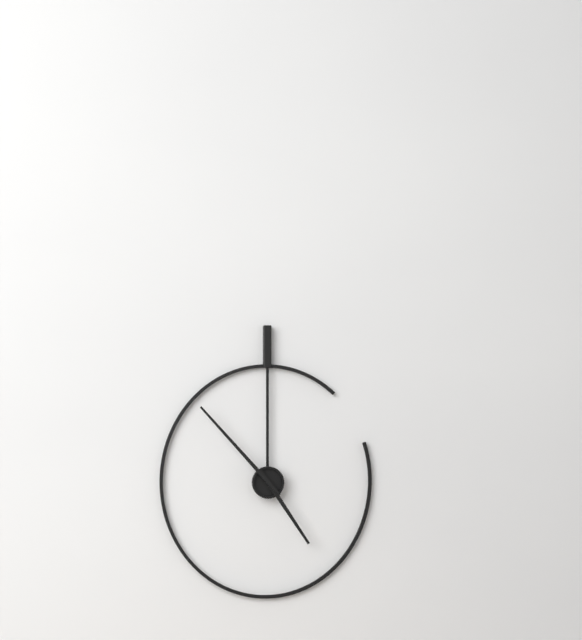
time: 4:53
